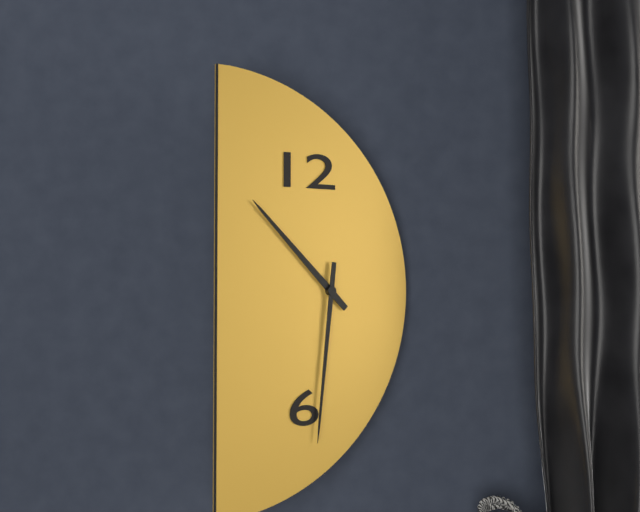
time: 10:31
